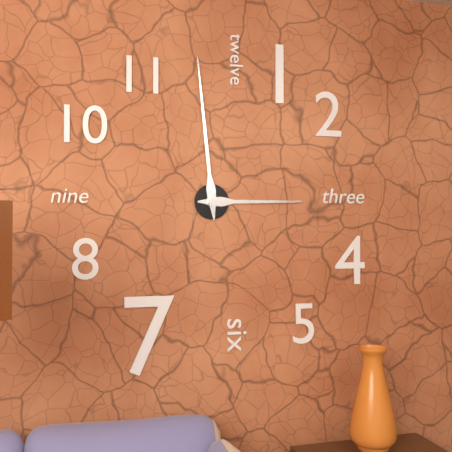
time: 2:59
